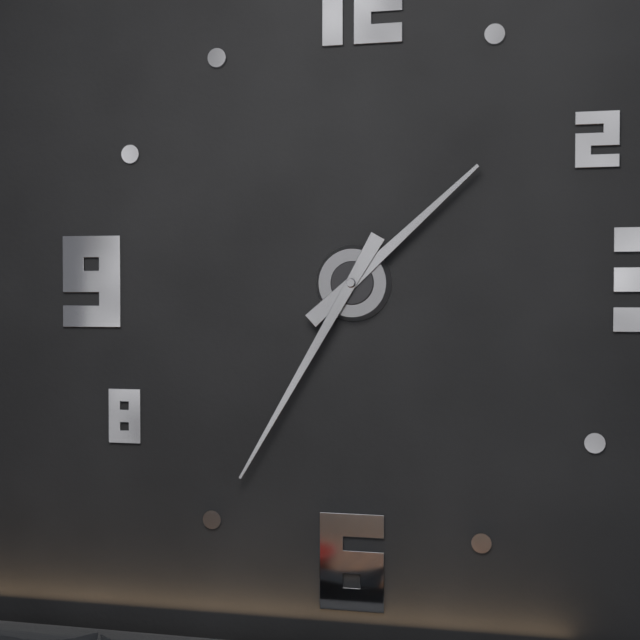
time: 1:35
